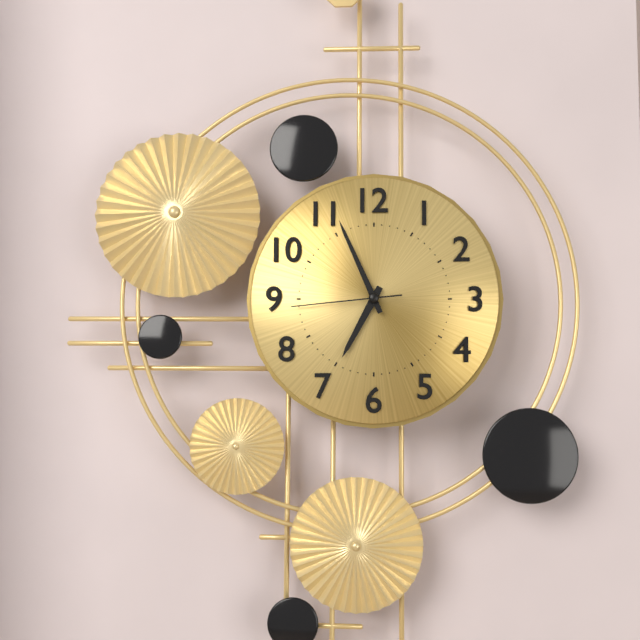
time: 6:56:44
